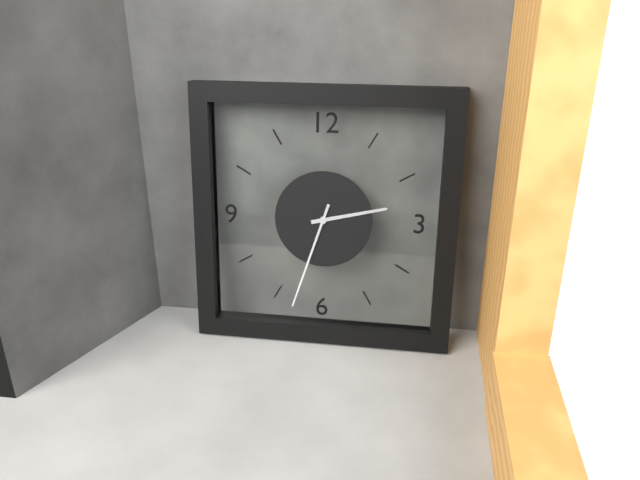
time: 2:33
